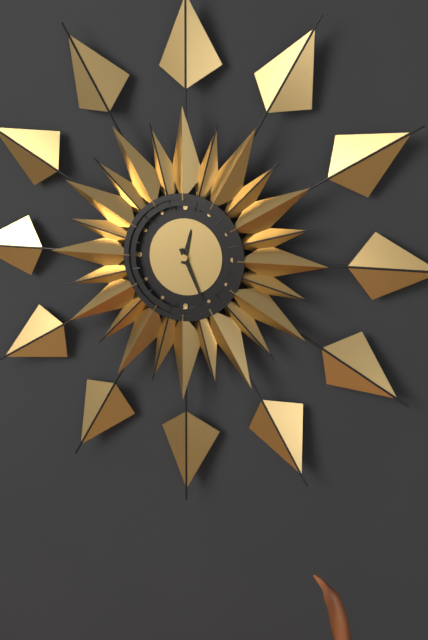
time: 12:26
